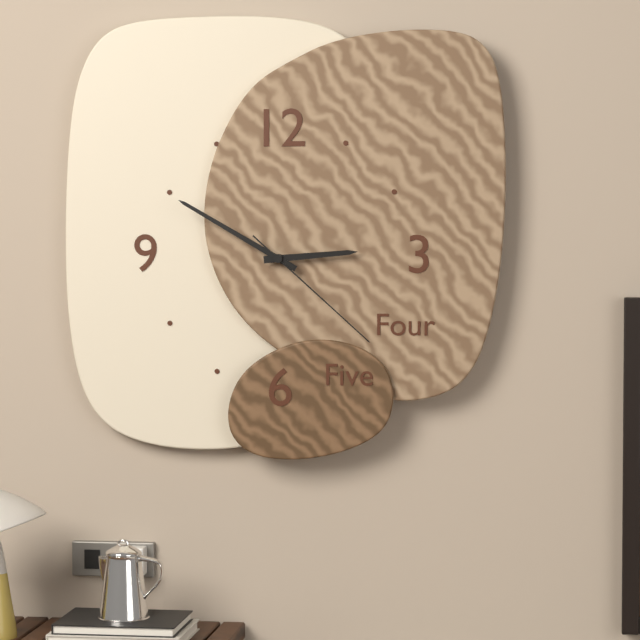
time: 2:50:22
